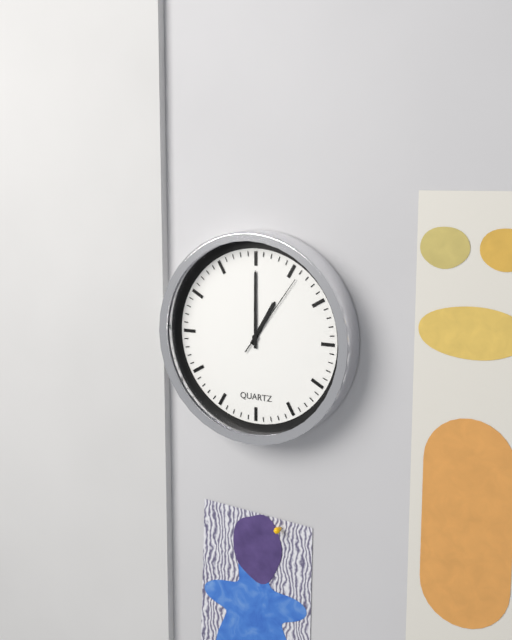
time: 1:00:06
